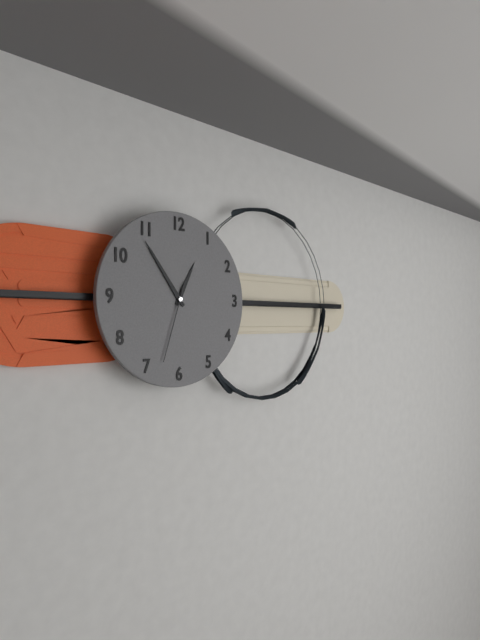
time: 12:54:33
